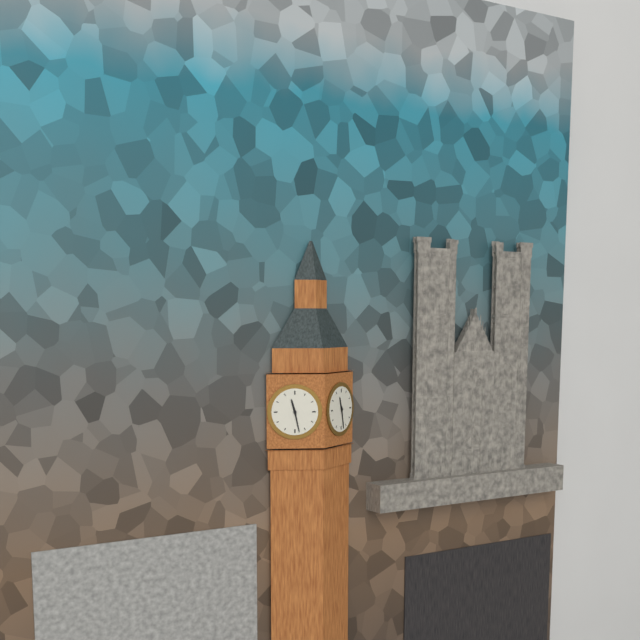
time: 11:28
